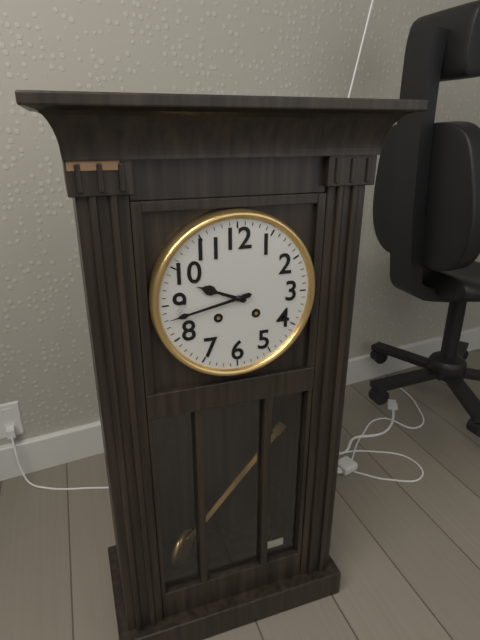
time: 9:43
